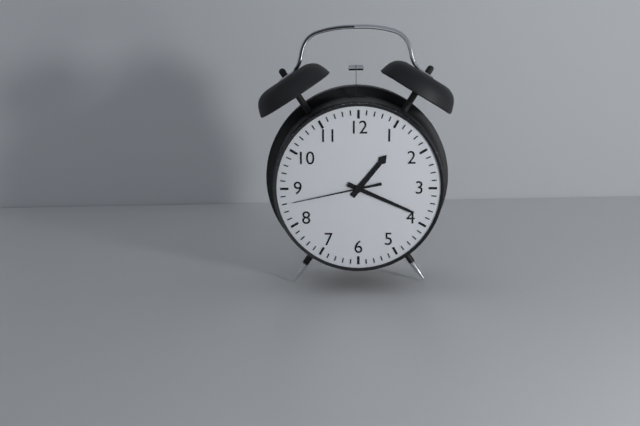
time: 1:19:43
